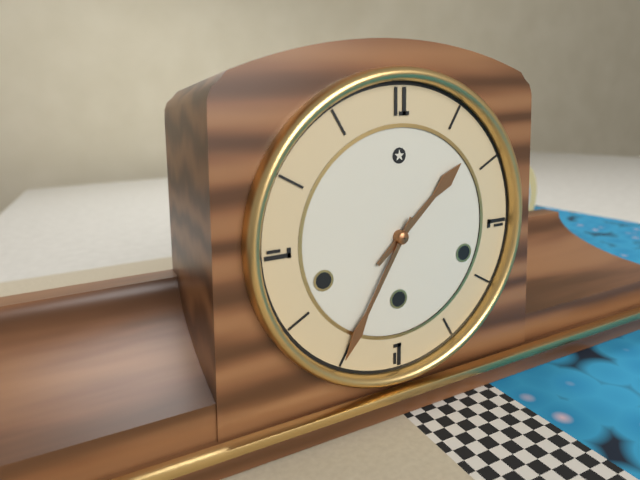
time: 1:35
